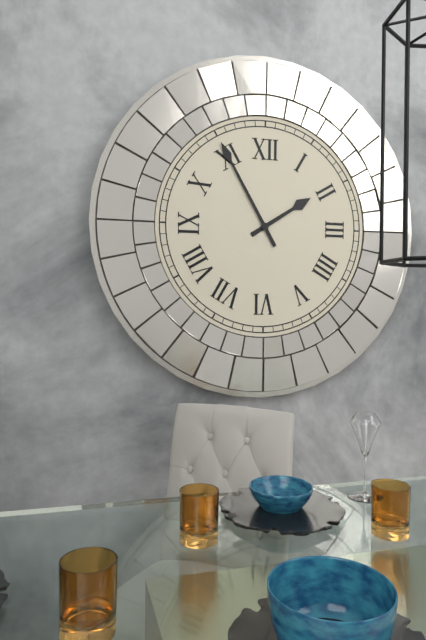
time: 1:55
